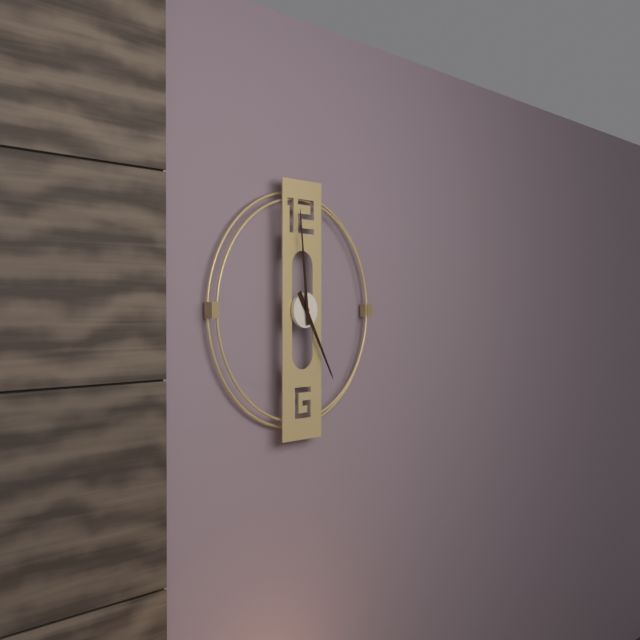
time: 4:59
